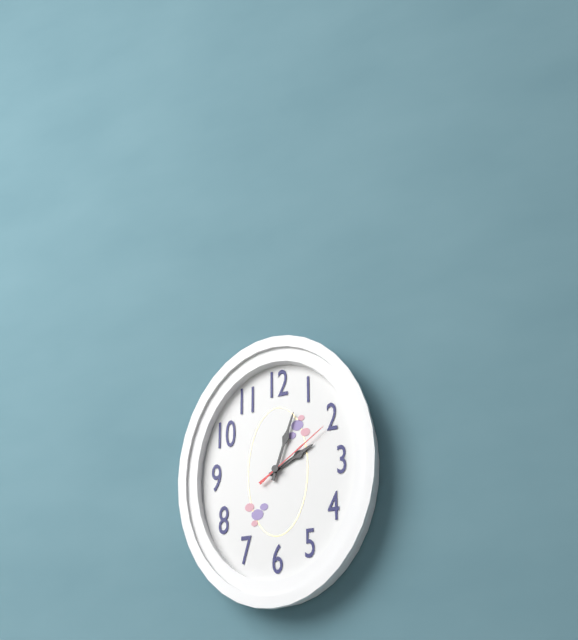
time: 2:03:09
